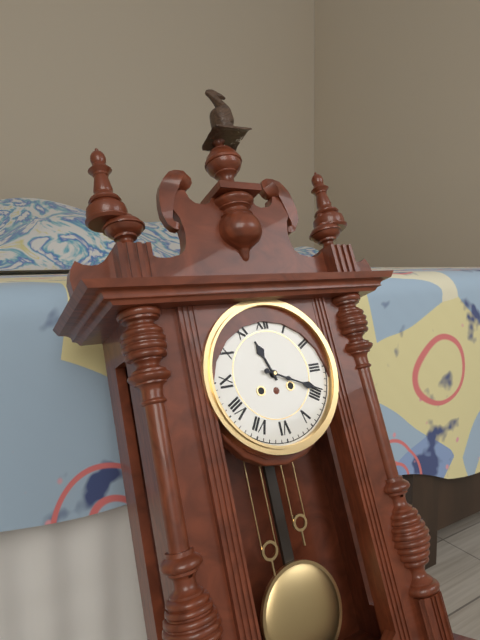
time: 11:19
